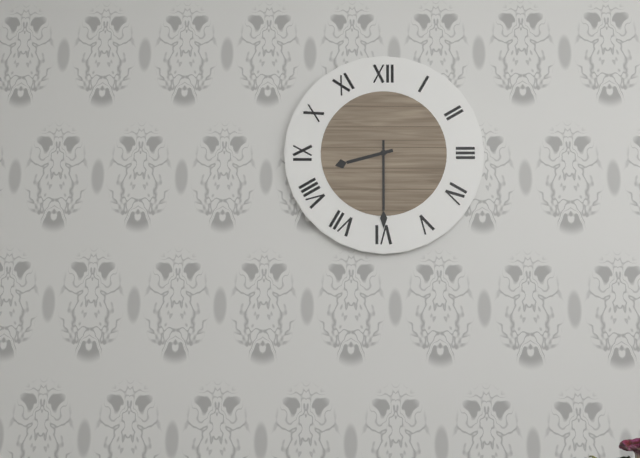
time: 8:30
